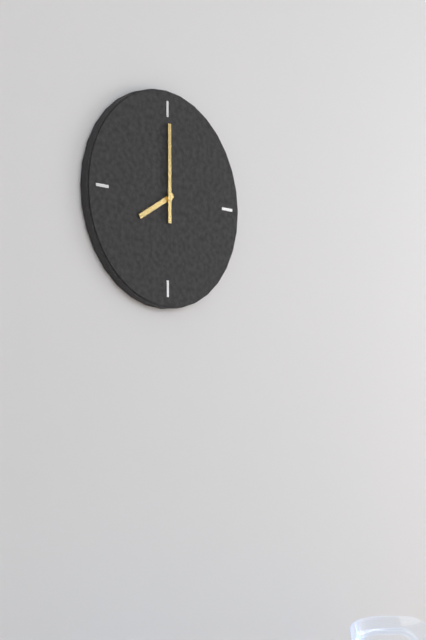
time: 8:00
